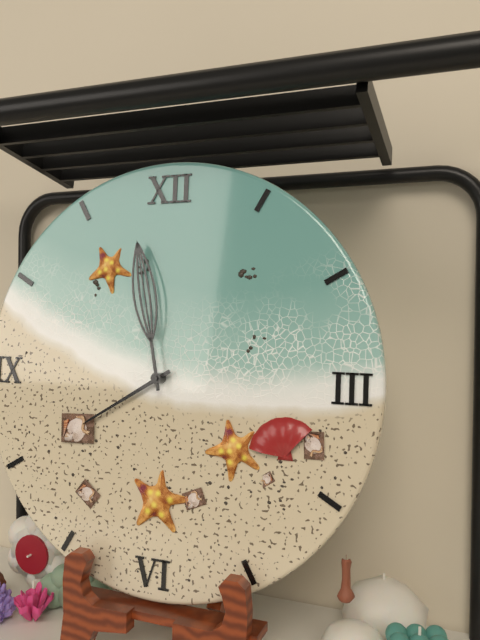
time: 7:58
